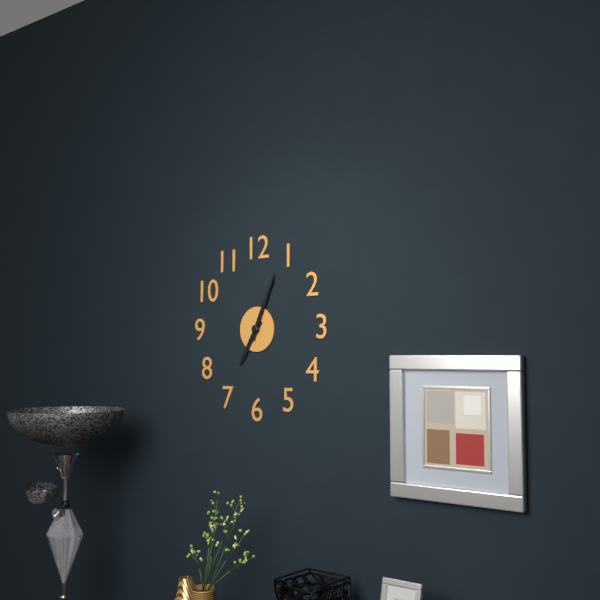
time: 7:04
